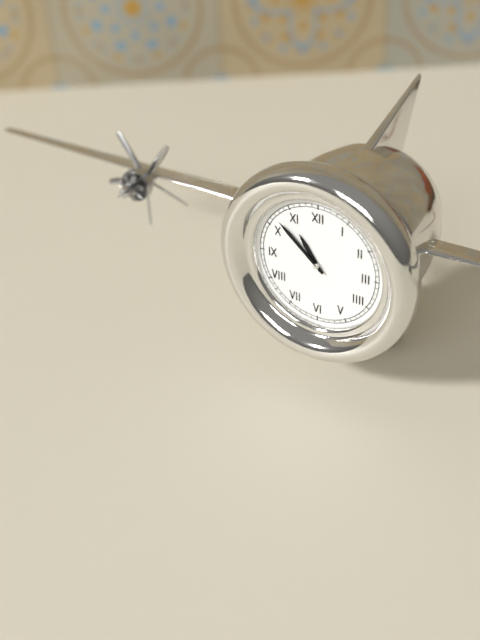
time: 10:52
